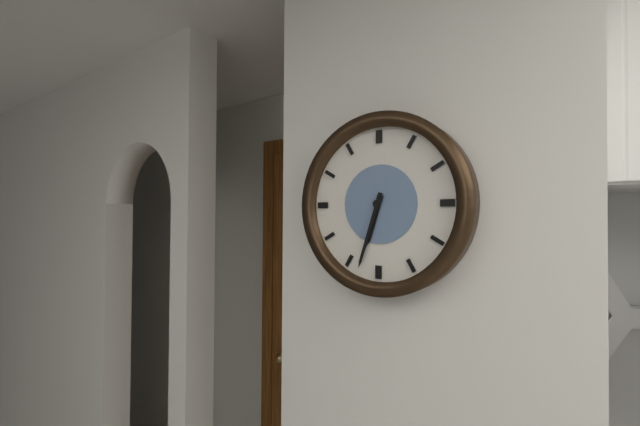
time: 6:33
